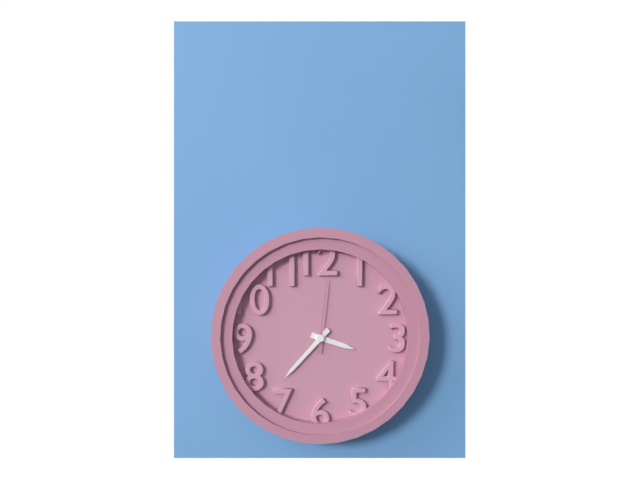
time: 3:37:01
